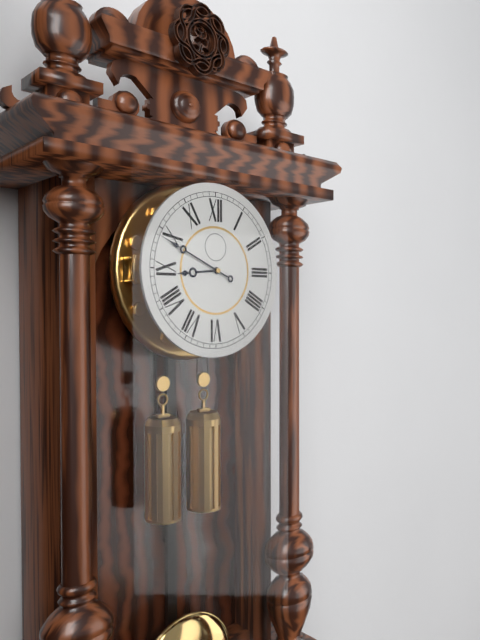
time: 8:49
